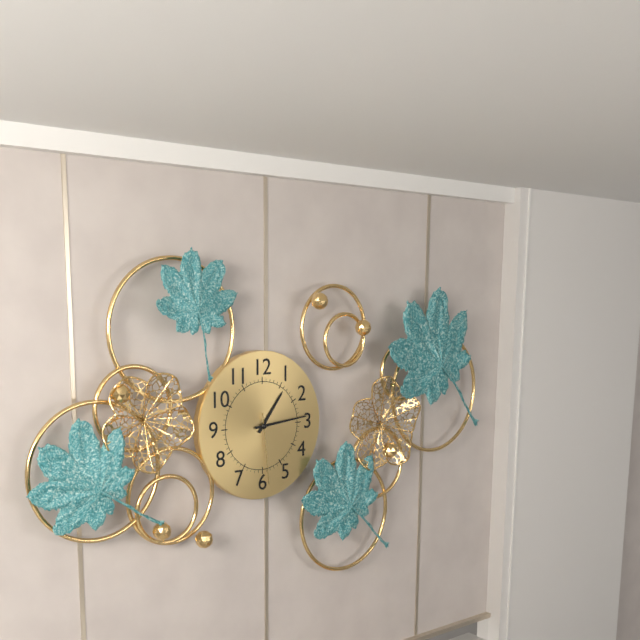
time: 1:14:29
